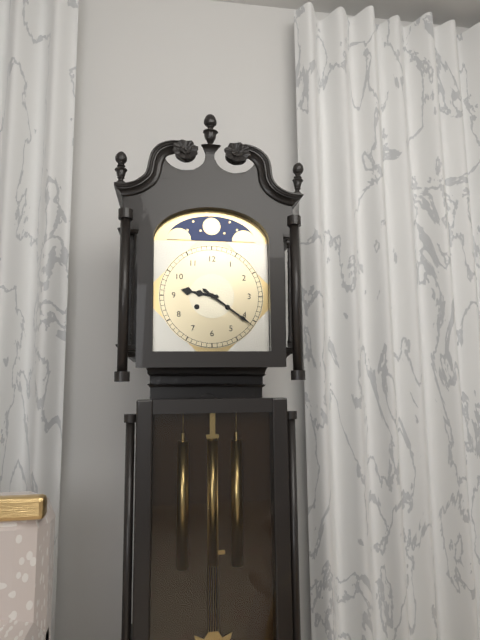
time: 9:21
